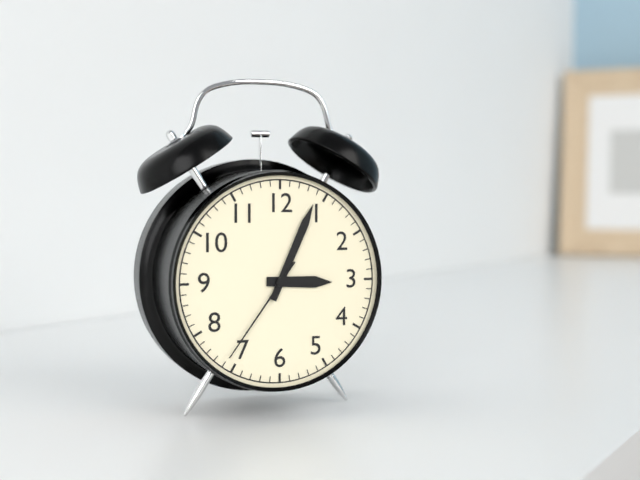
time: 3:04:36
